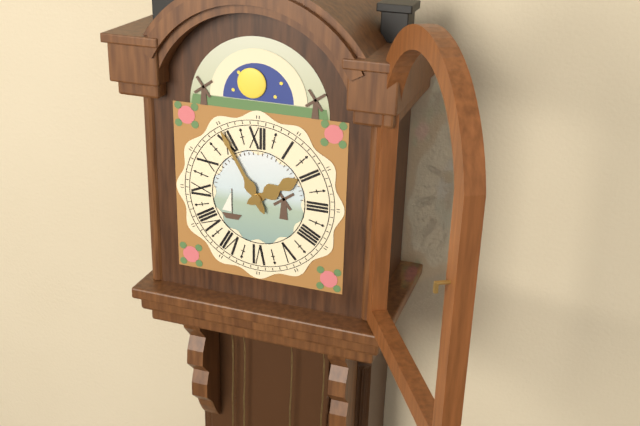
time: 1:55
